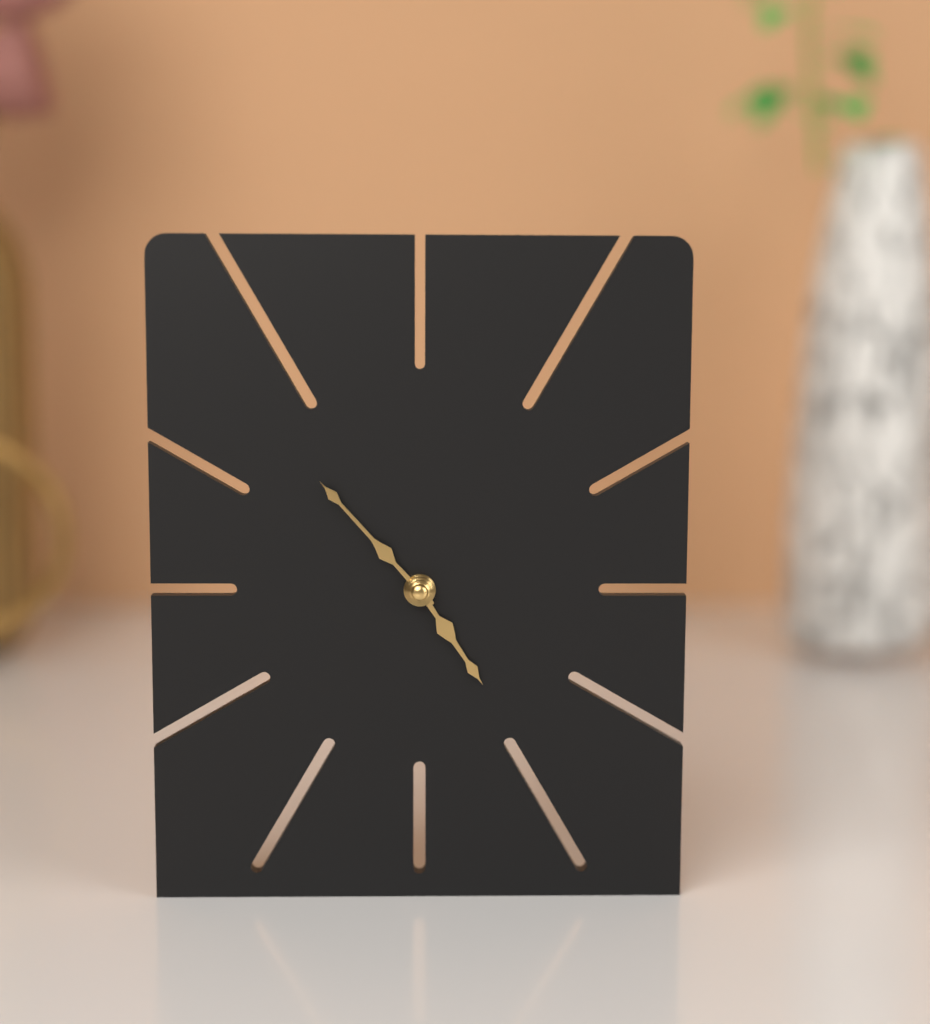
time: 4:53
